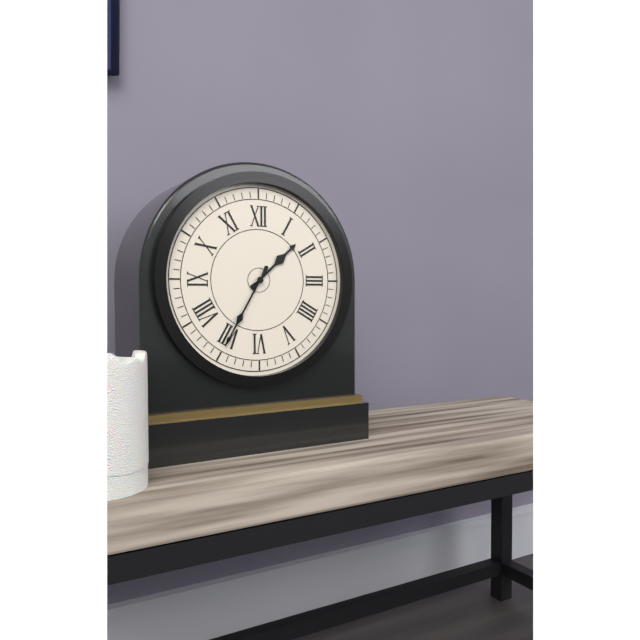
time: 1:35
